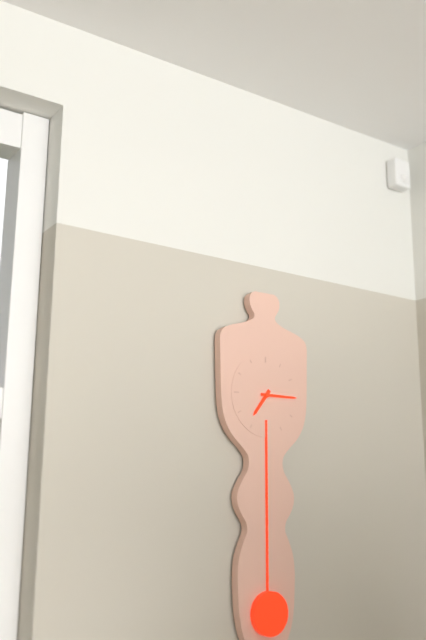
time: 7:15
